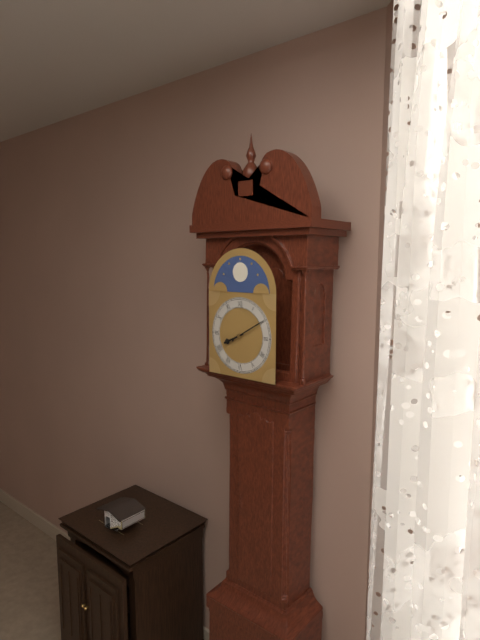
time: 8:10
